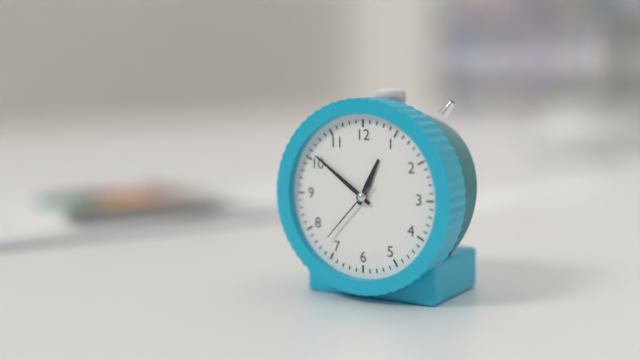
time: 12:51:37
